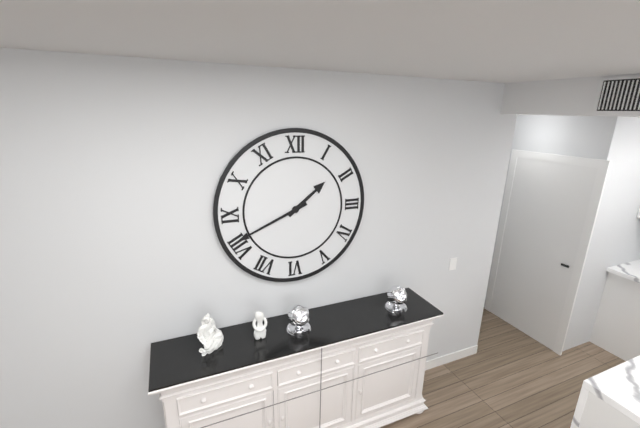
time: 1:41
